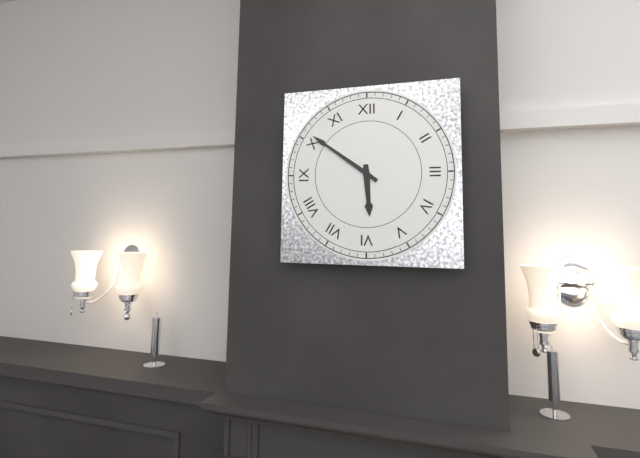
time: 5:51
